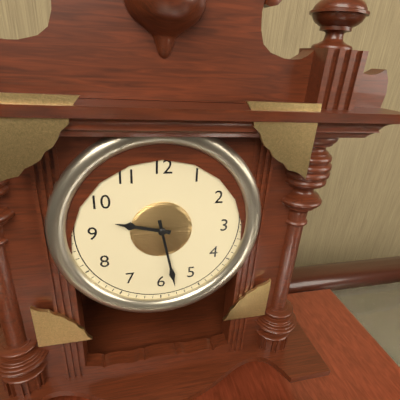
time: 9:28
